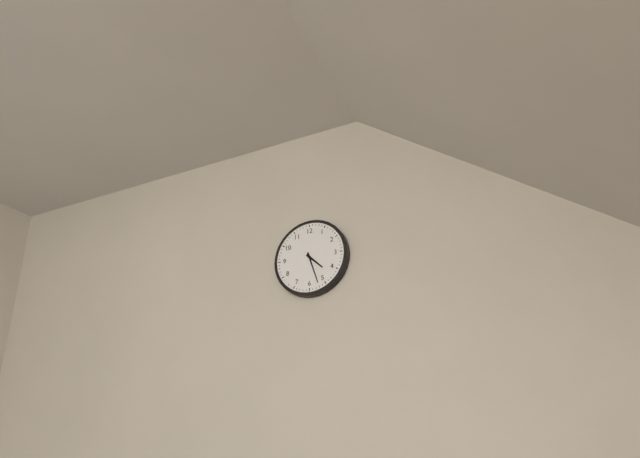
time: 4:27
